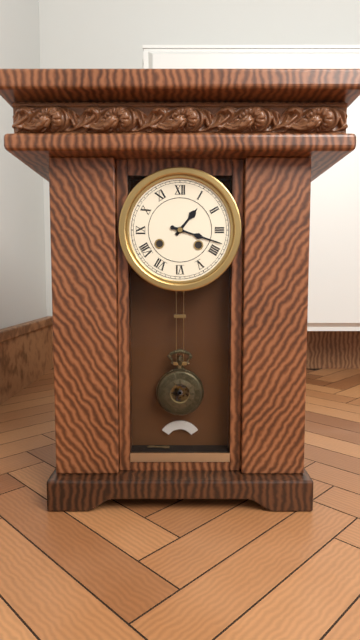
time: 1:18
